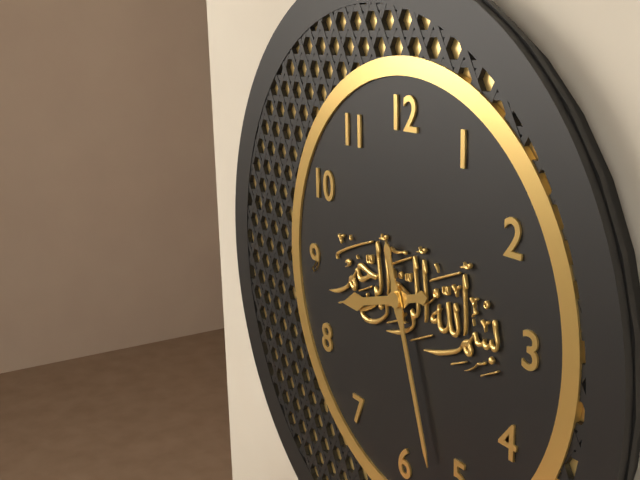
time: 8:27
